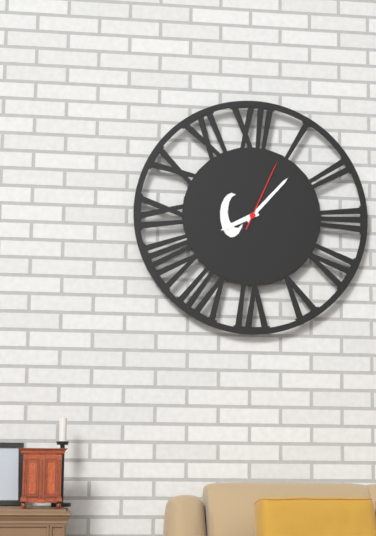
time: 8:07:04
